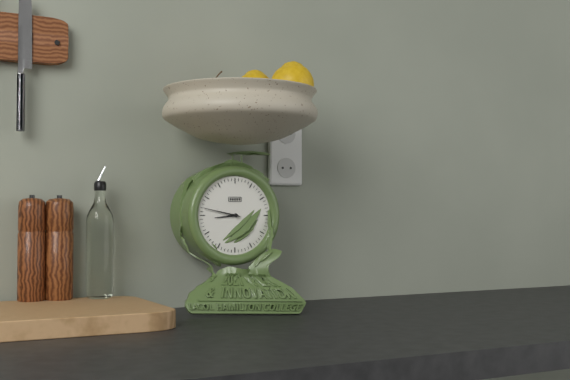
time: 8:47
